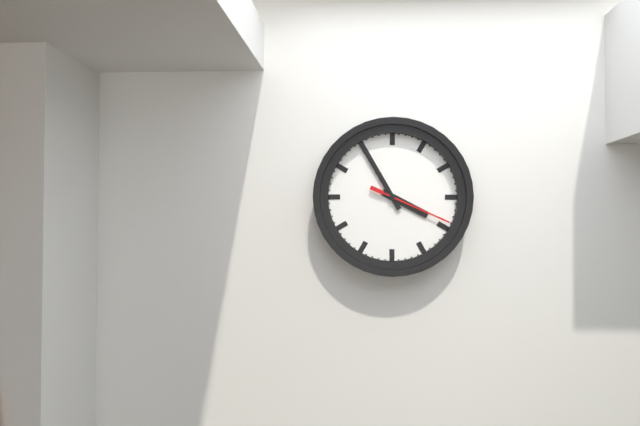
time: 3:55:19
